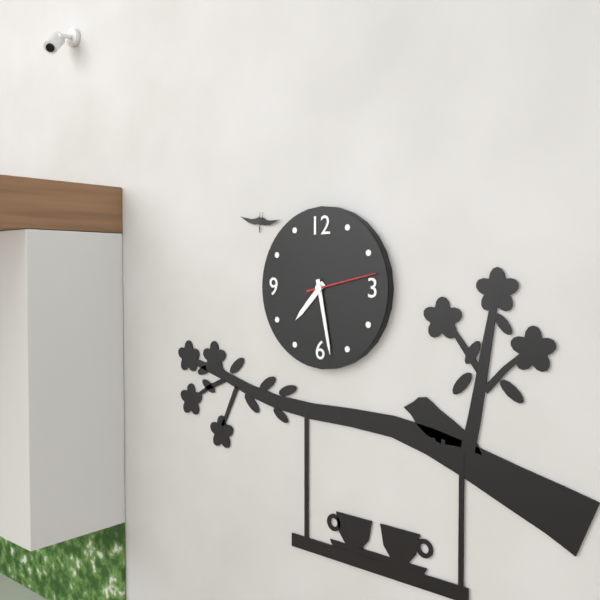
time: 7:28:13
